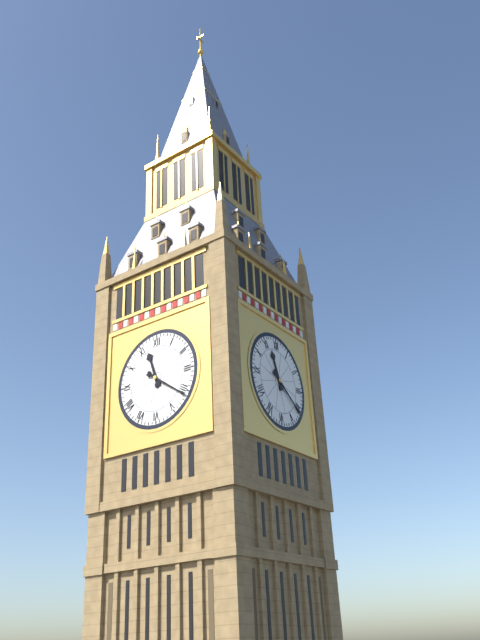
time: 11:21
